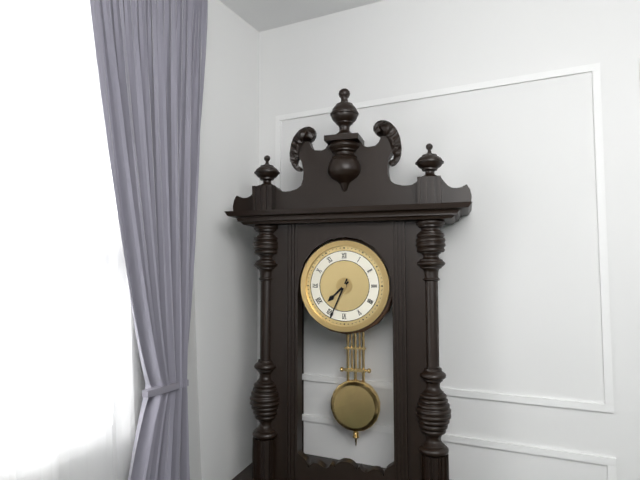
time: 7:34
